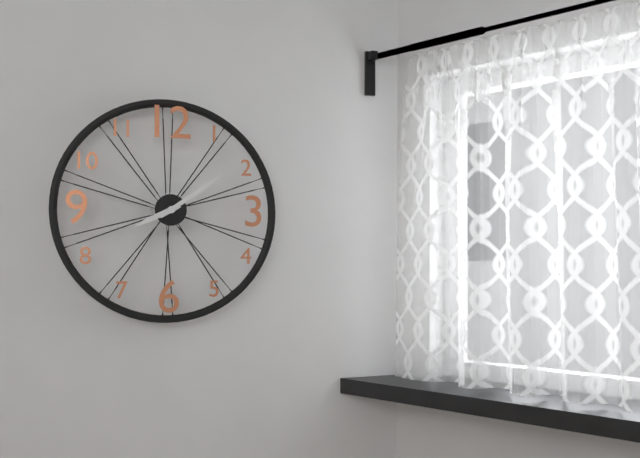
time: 8:09
